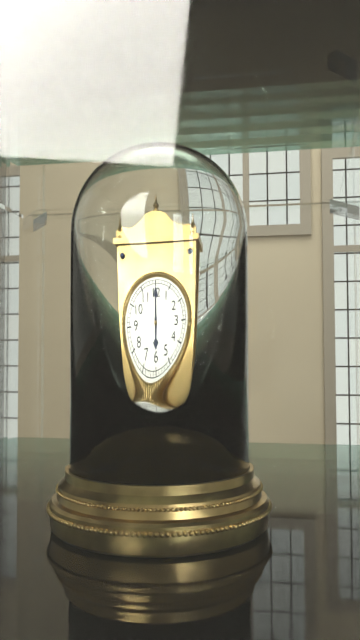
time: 6:00
